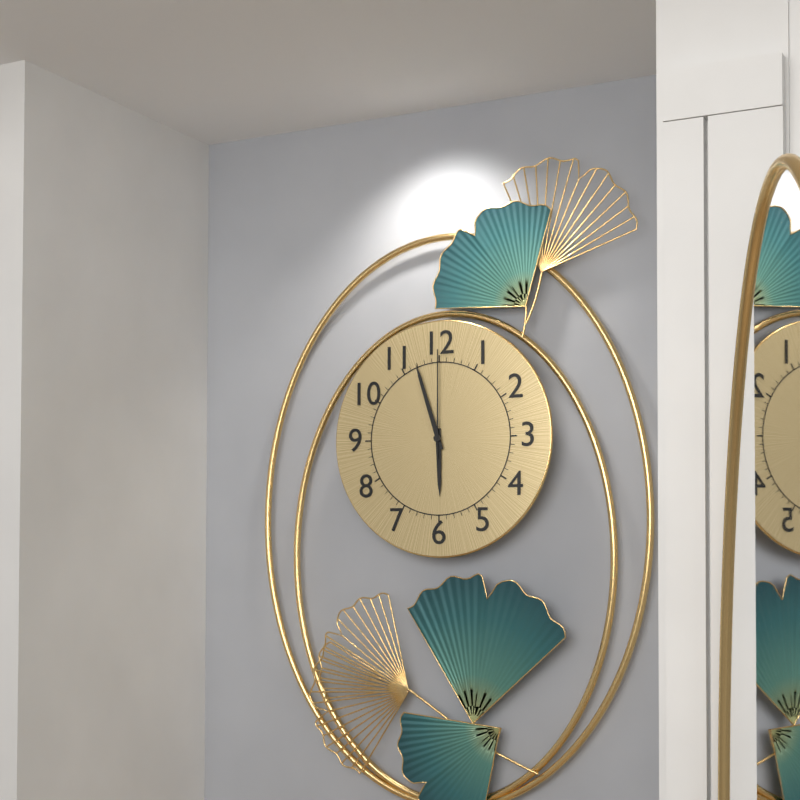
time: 5:57:00
